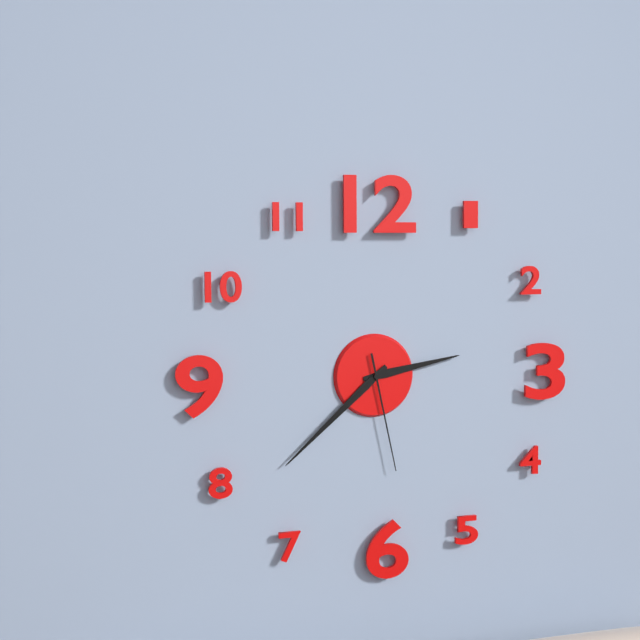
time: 2:38:28
